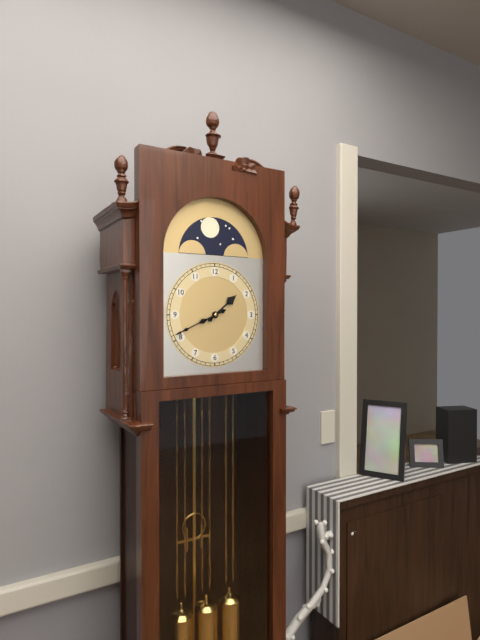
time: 1:41
